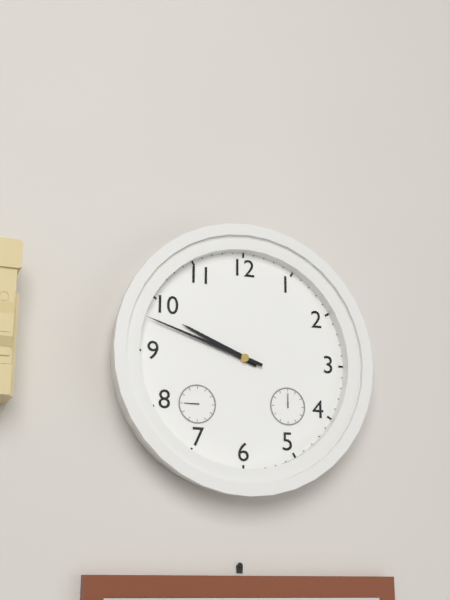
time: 9:48
